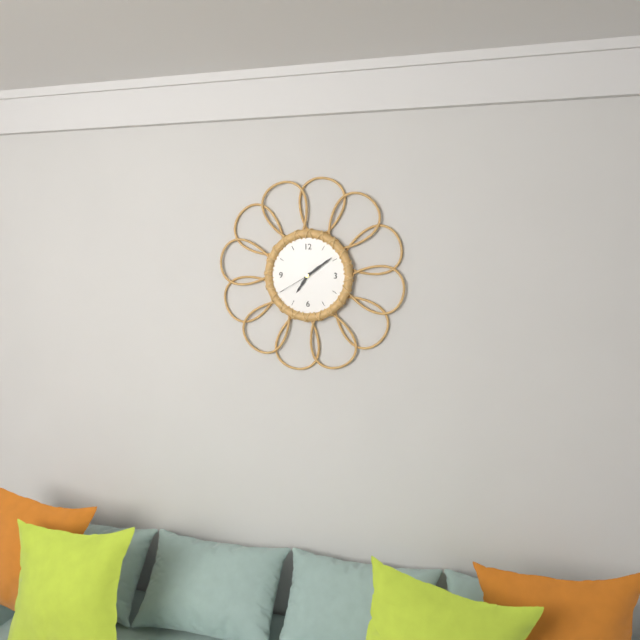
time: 7:09
